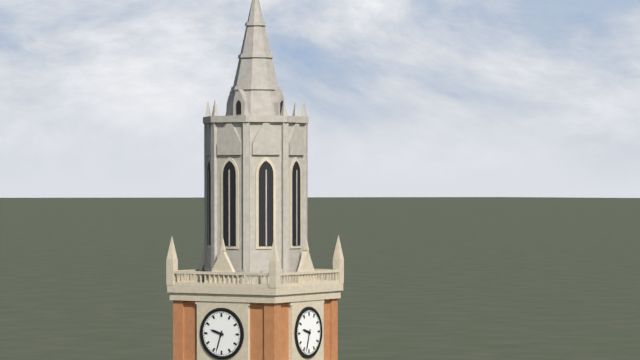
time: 9:33
